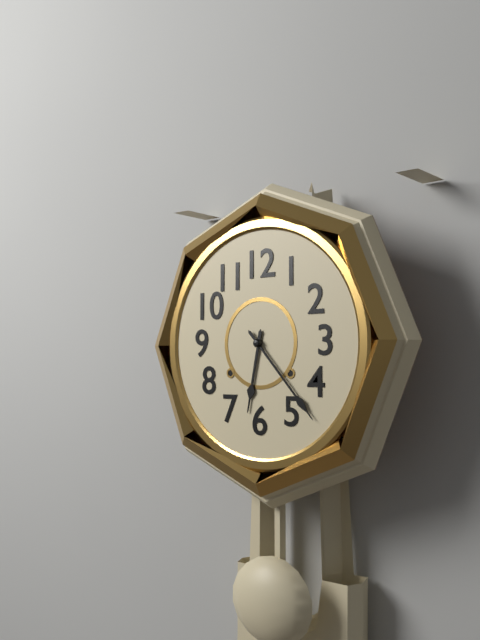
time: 6:23
